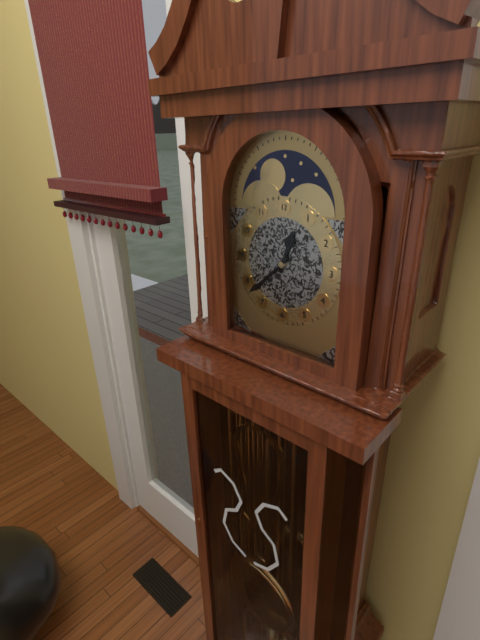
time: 12:38
